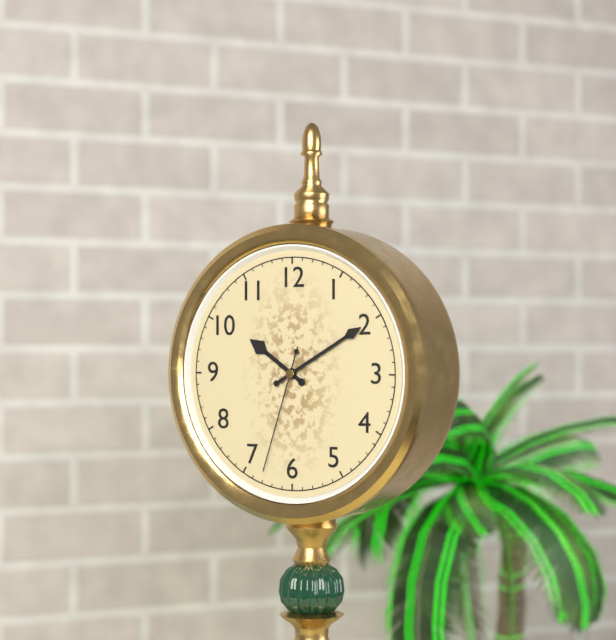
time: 10:10:33
